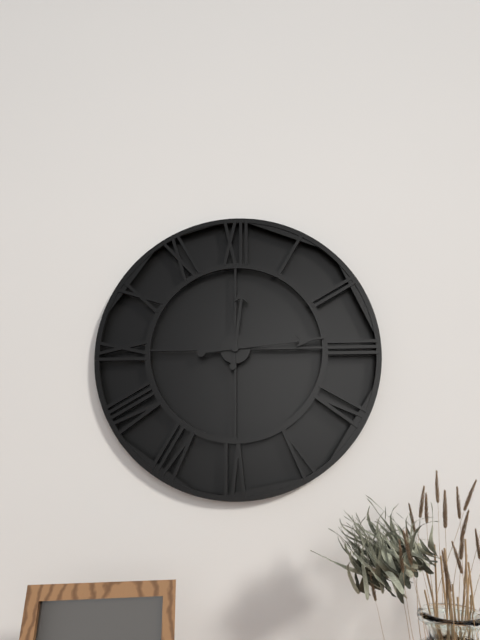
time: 12:14
